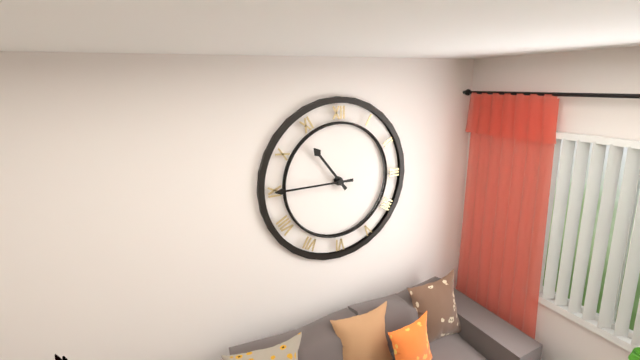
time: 10:45
